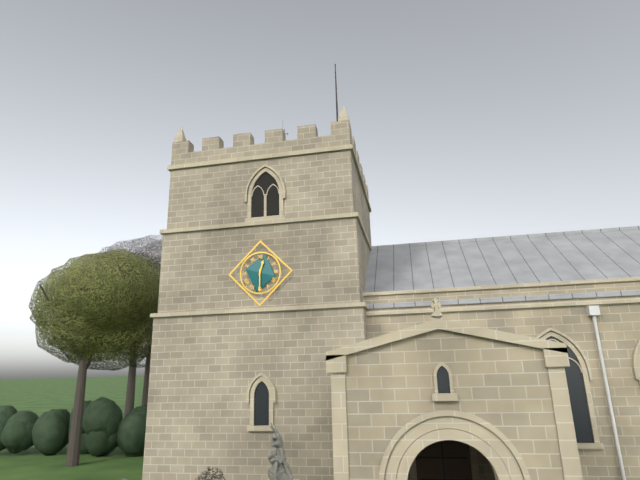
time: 12:30
